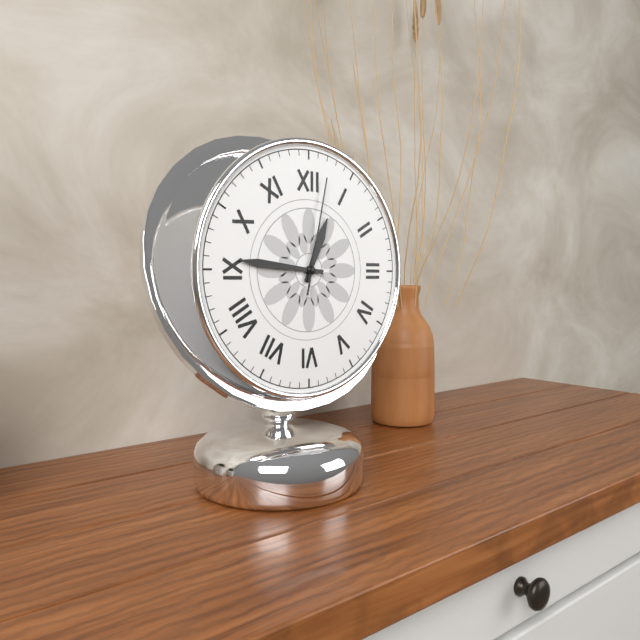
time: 12:46:02
